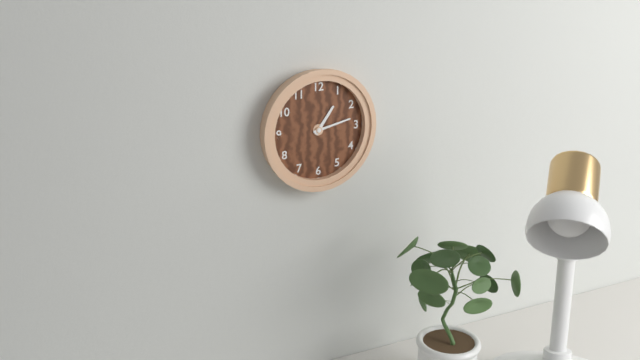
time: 1:13
